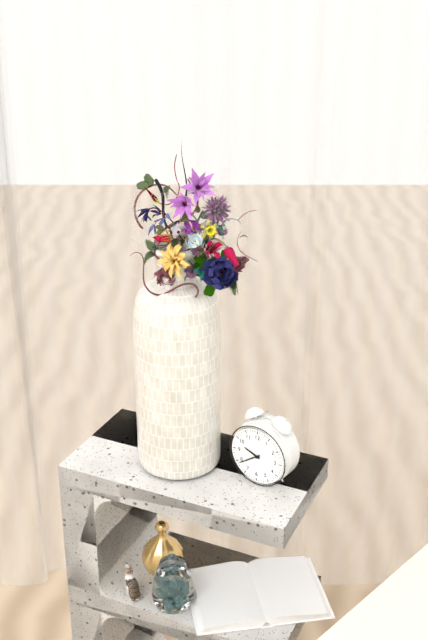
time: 9:39
